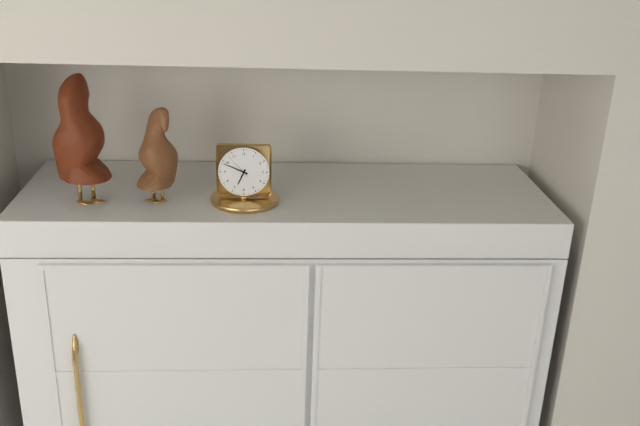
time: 6:49
